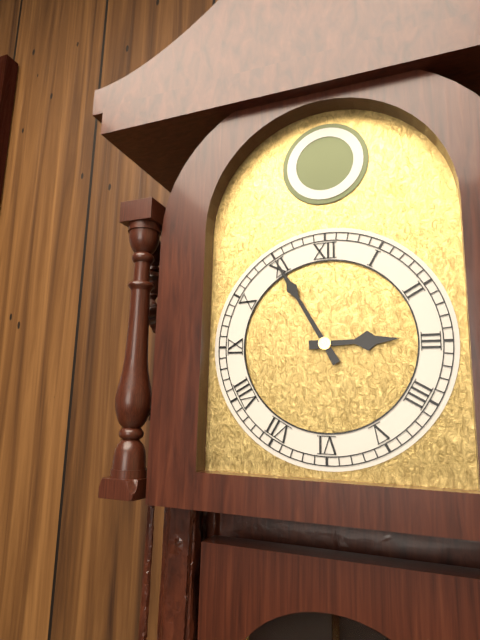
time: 2:55
